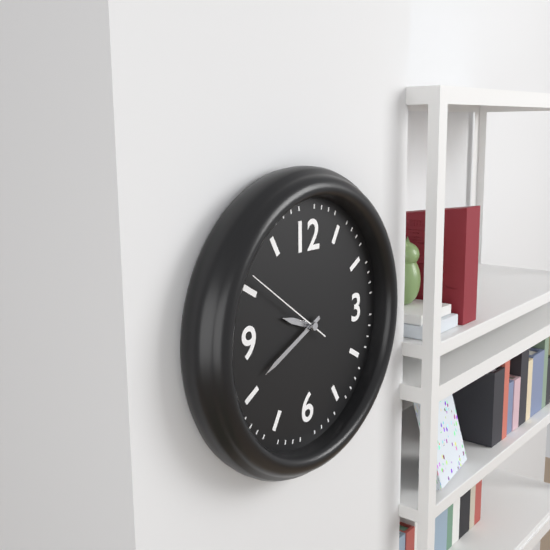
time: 9:41:51
